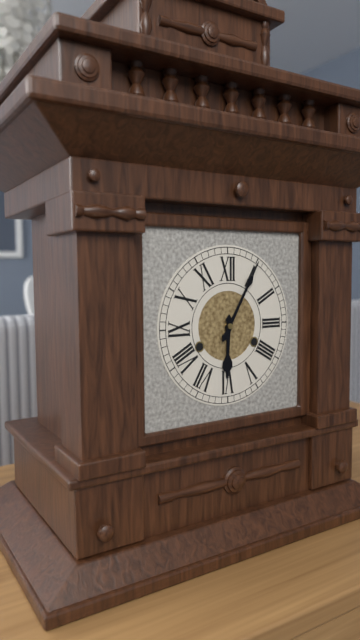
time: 6:05
